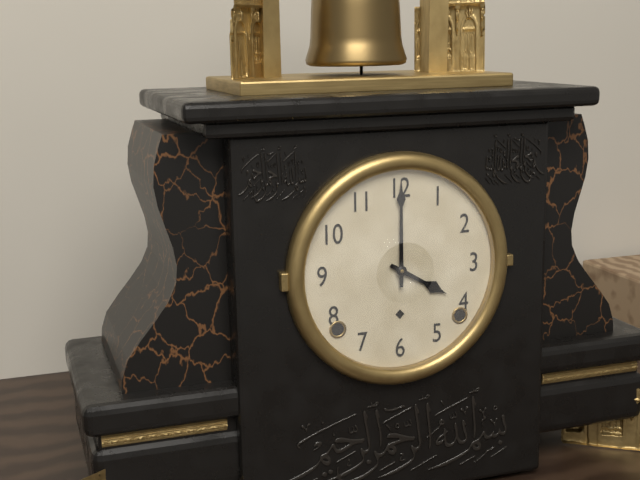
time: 4:00
